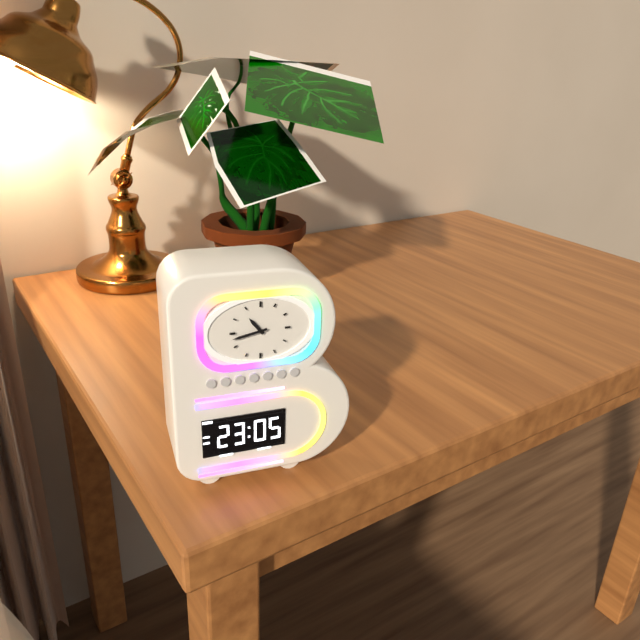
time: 10:43
